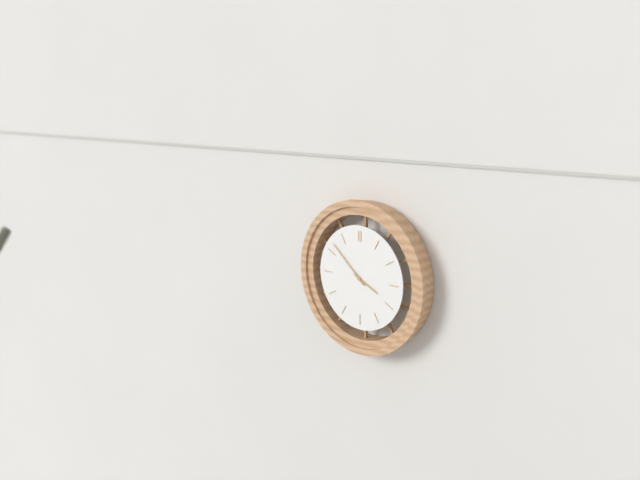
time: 3:52
